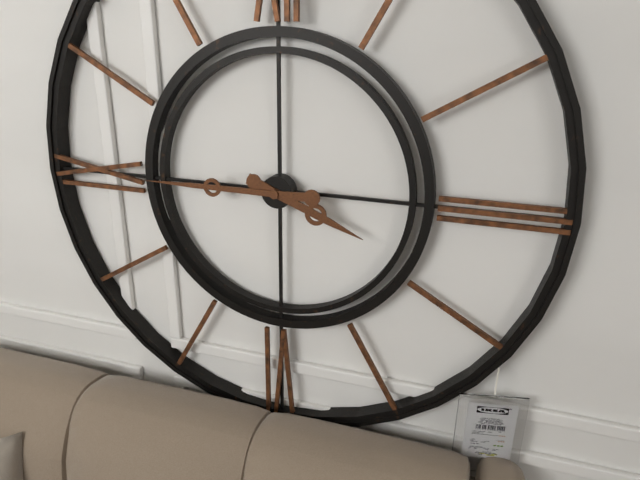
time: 3:45
